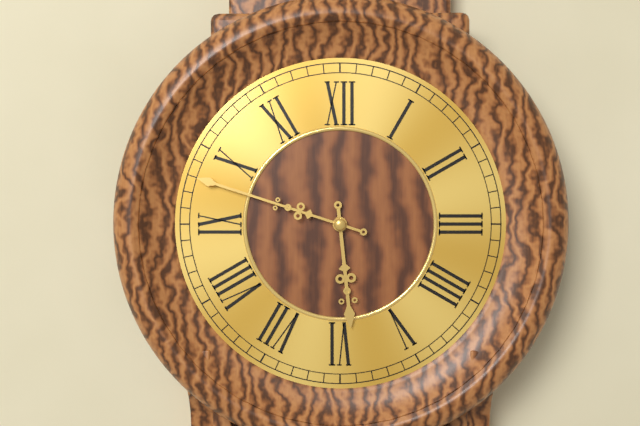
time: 5:48
